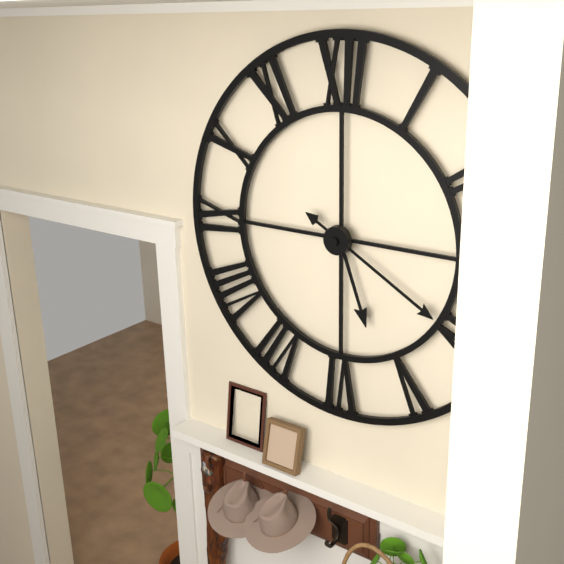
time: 5:20
